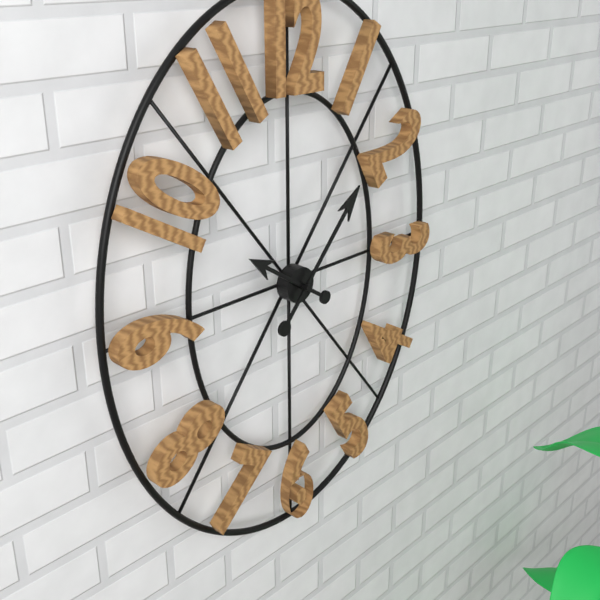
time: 10:07
